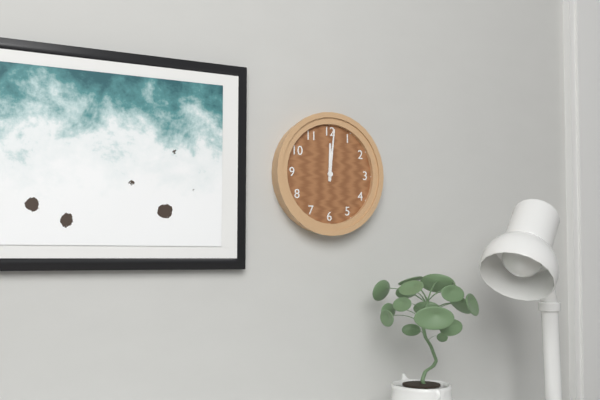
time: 12:01
